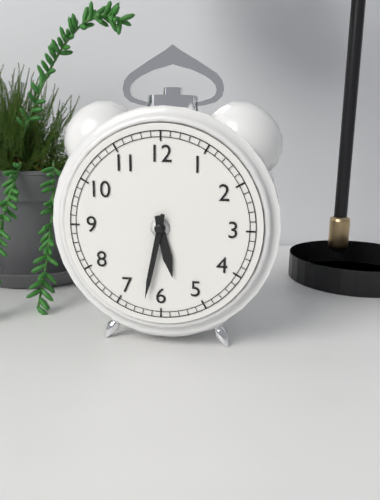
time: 5:32
